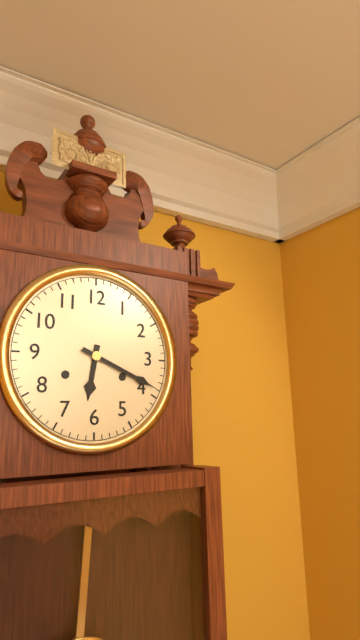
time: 6:19
